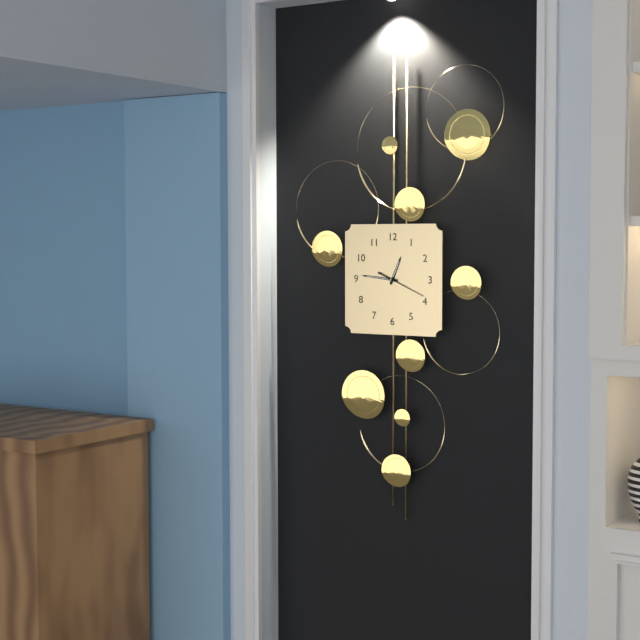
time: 12:46
